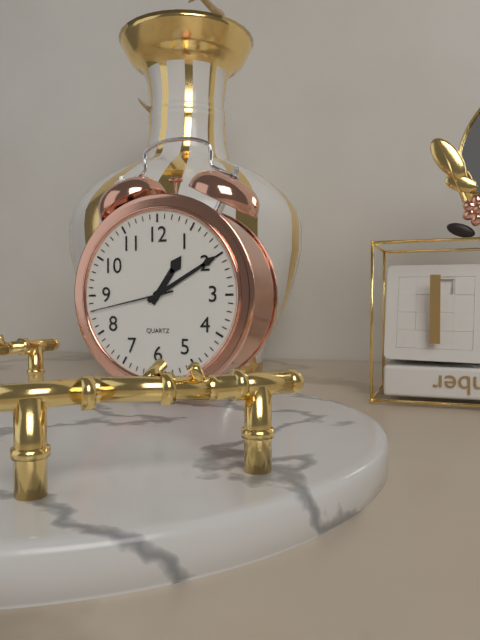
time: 1:10:43
